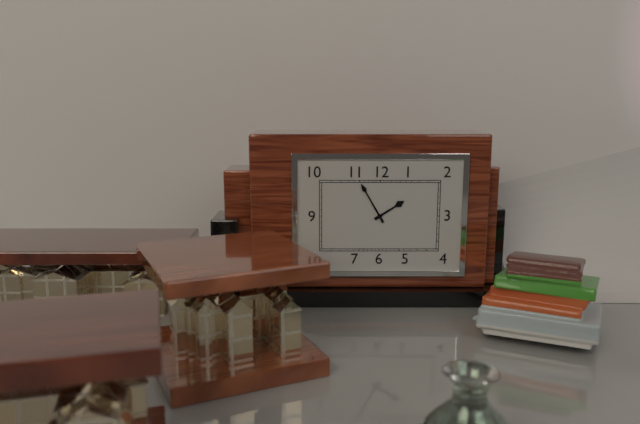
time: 1:55
